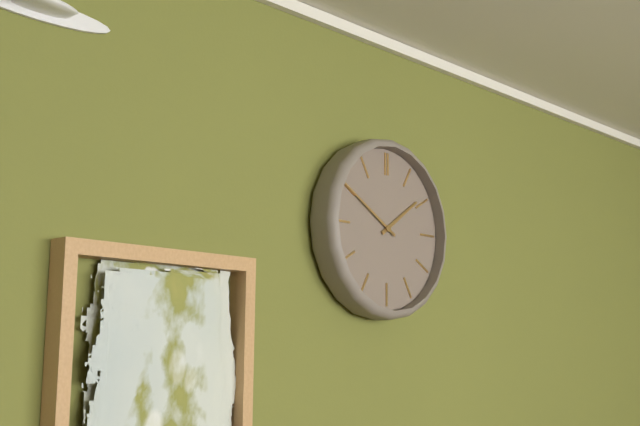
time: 1:50
